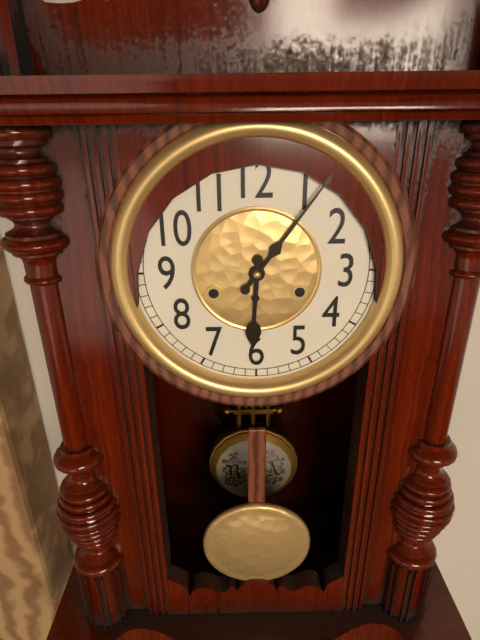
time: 6:06
